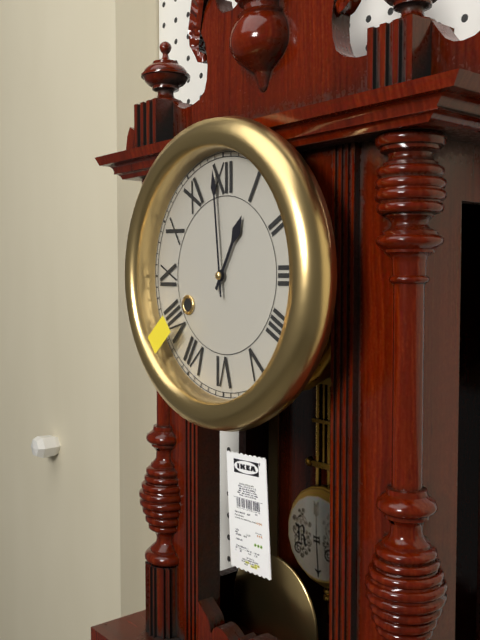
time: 12:59
